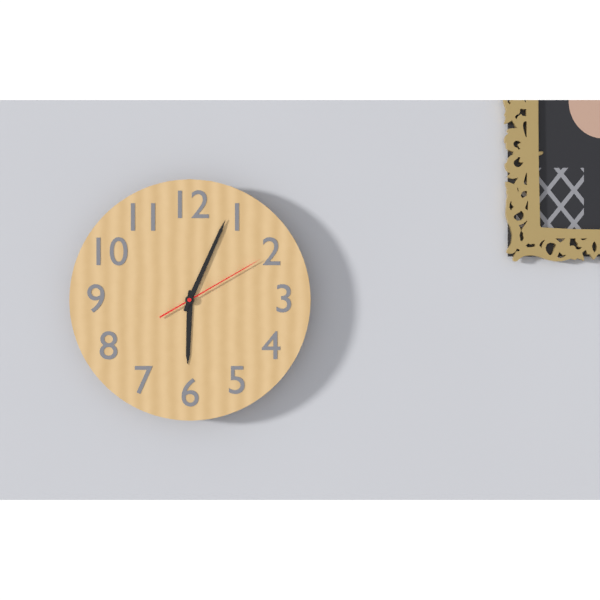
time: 6:04:10
